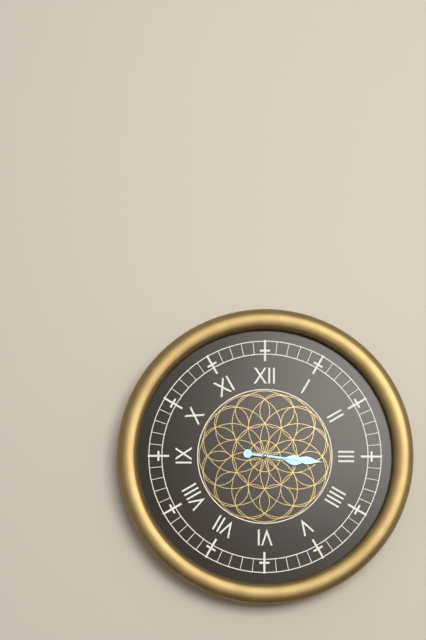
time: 3:16
